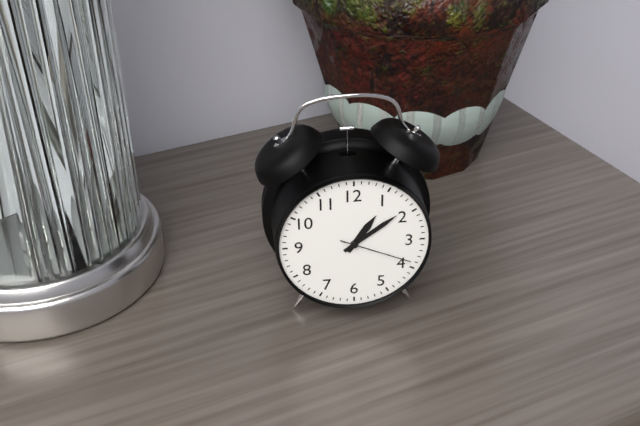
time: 1:09:19
